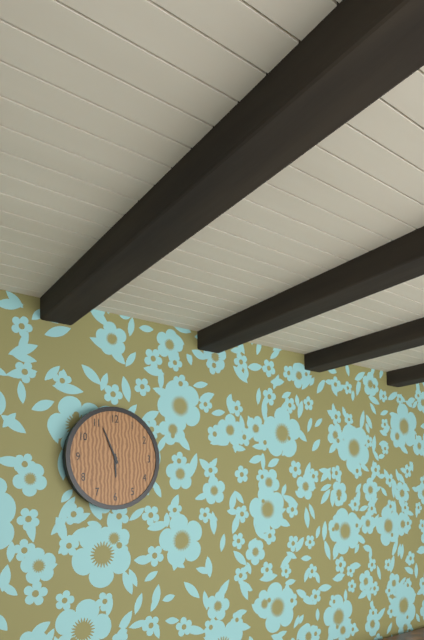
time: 5:56
